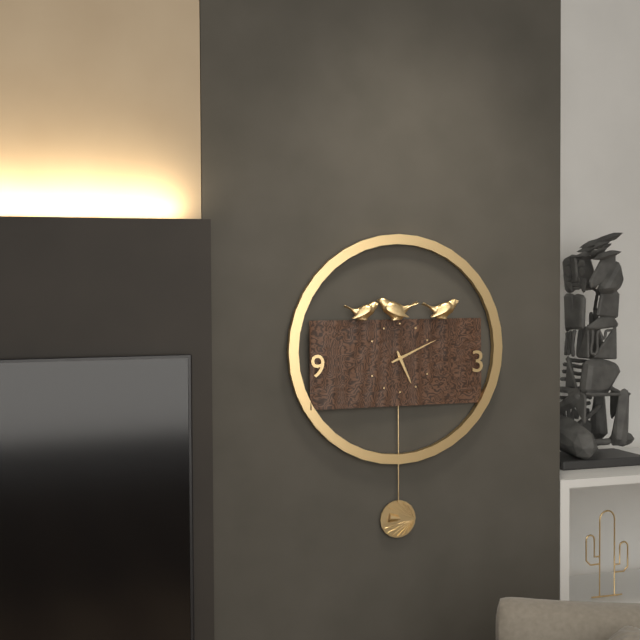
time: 5:11
